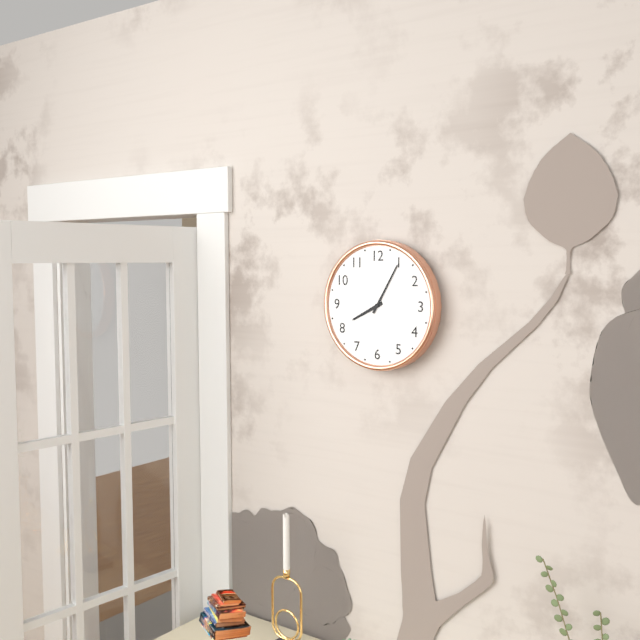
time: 8:05
